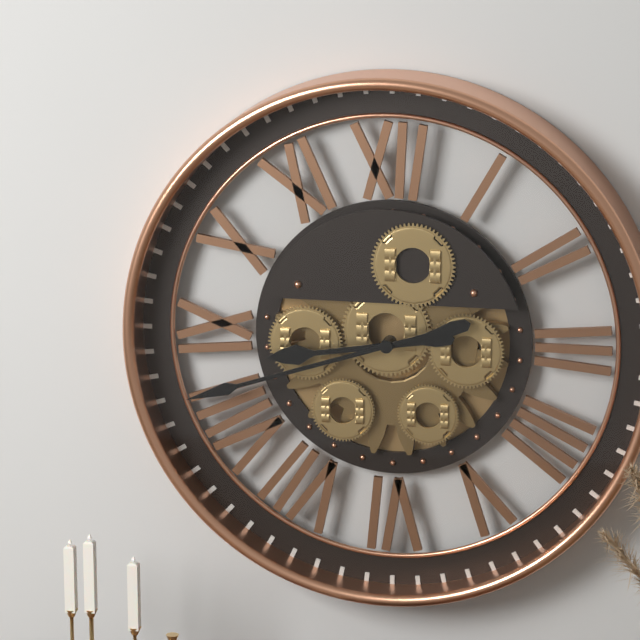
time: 8:42
